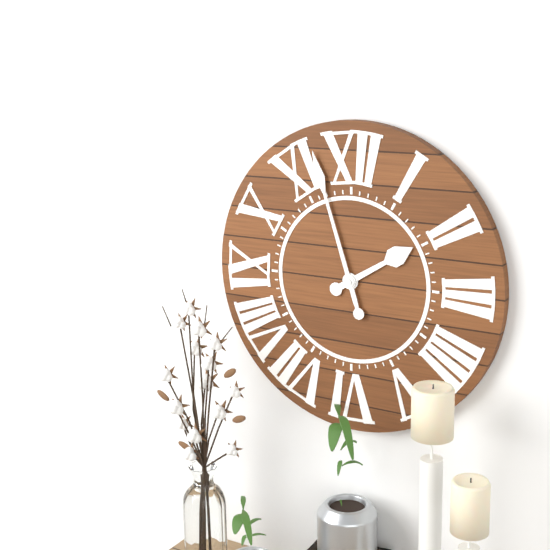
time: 1:57
